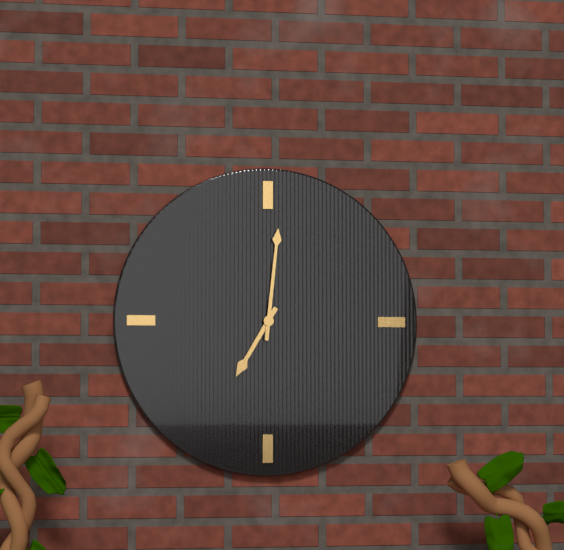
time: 7:01
